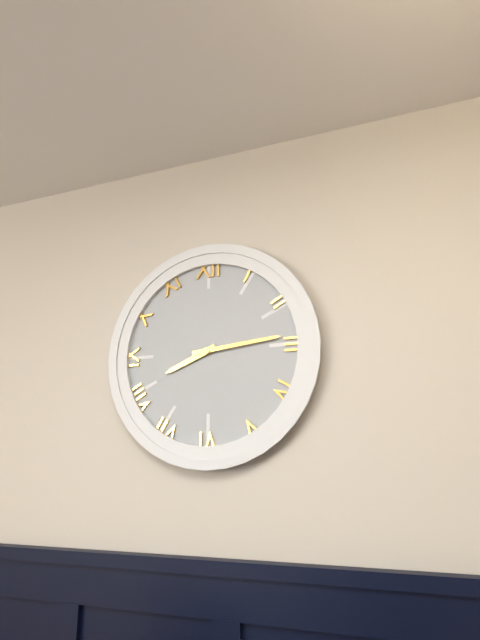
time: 8:14
